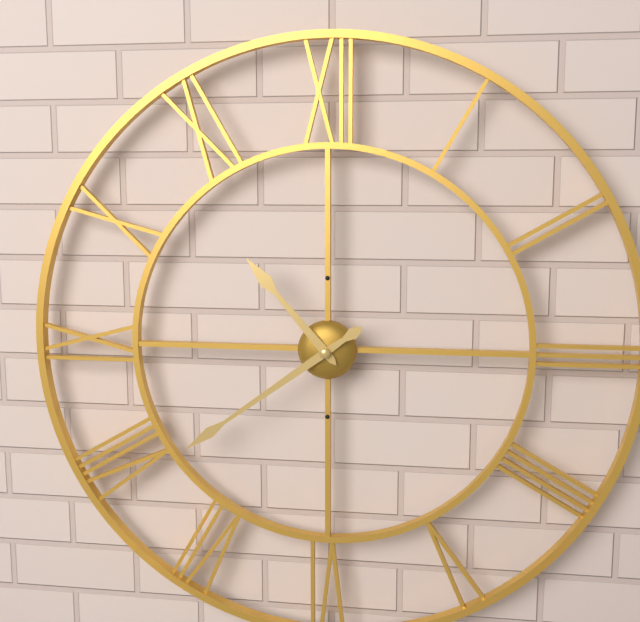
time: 10:39
